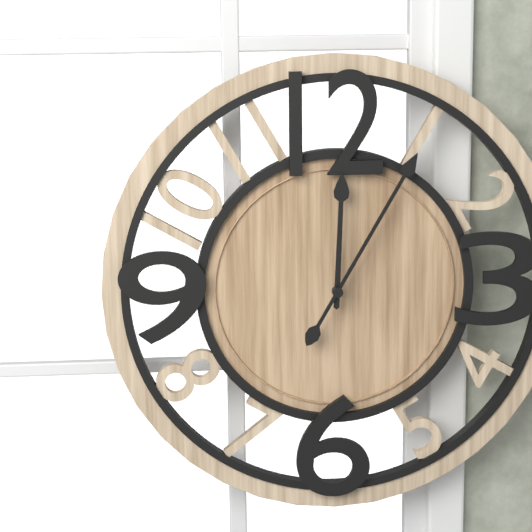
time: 12:05
